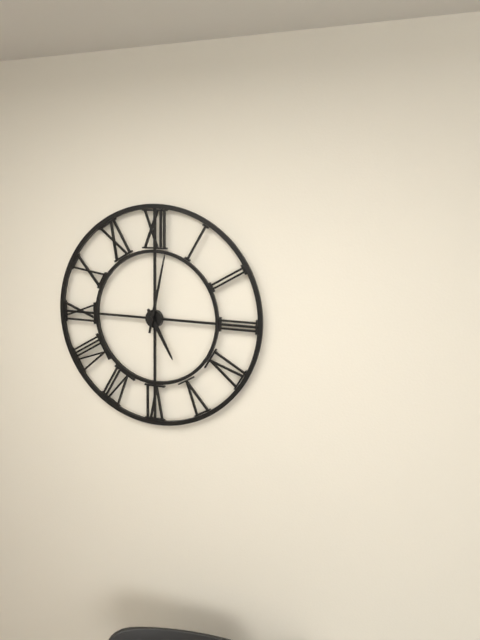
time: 5:02
